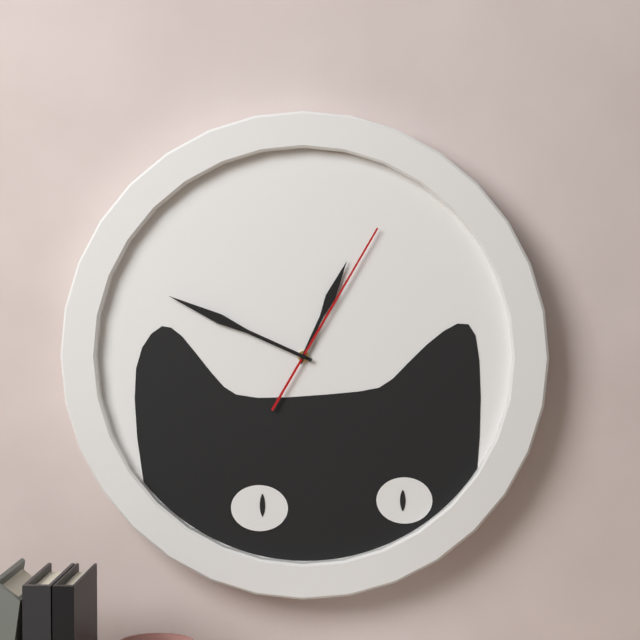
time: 12:49:05
